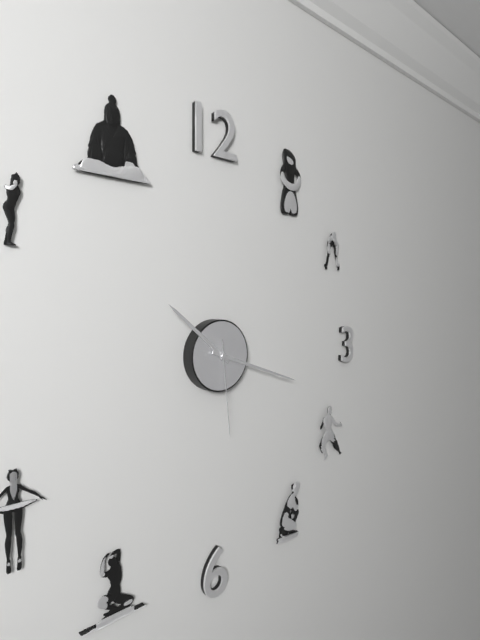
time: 10:18:29
